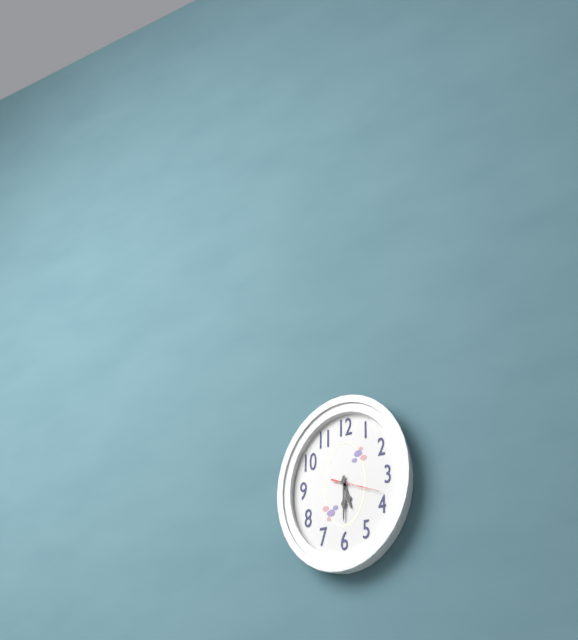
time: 5:30
